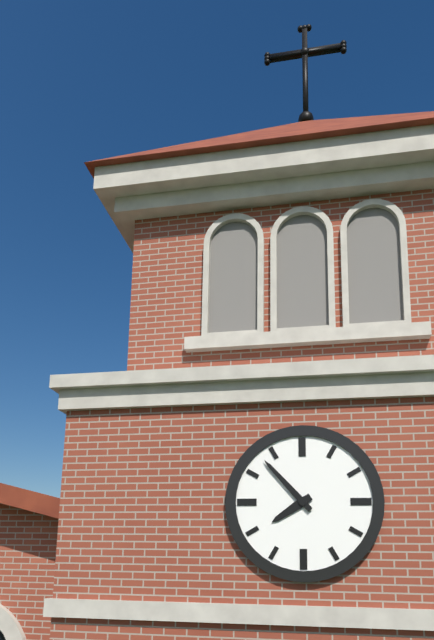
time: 7:53
